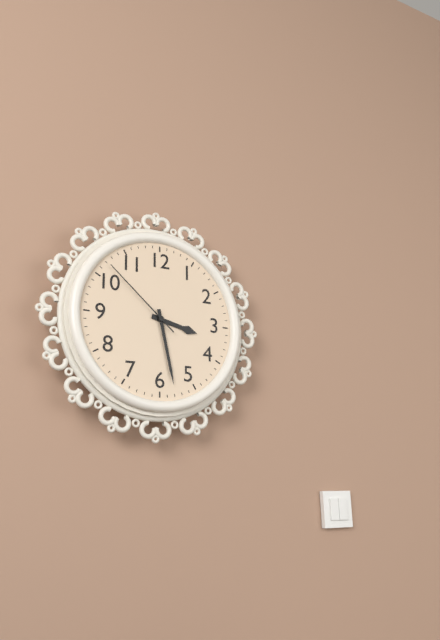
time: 3:28:52
